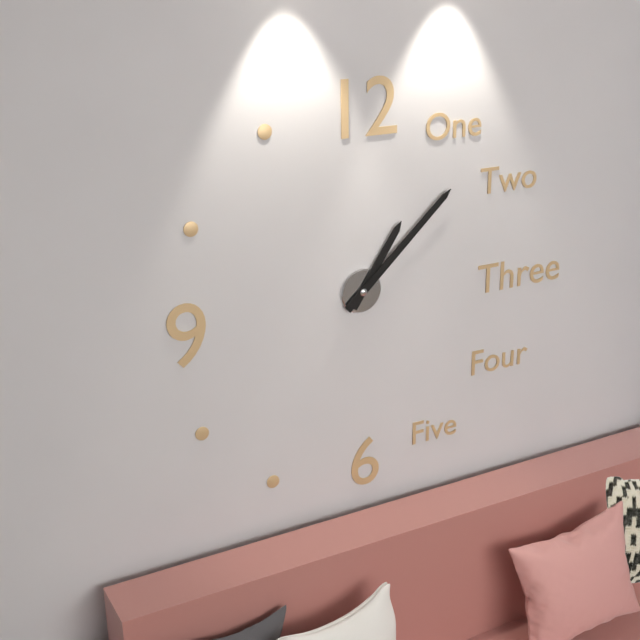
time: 1:08
